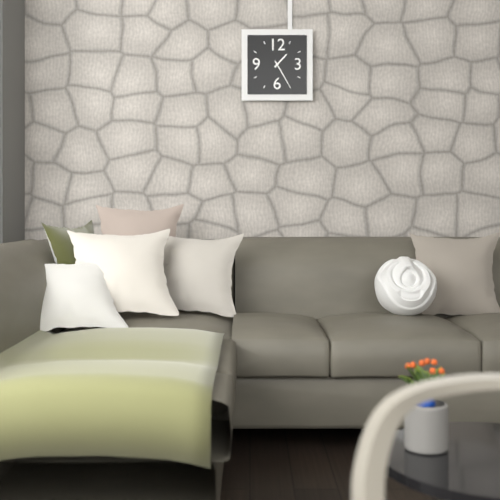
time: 1:25
